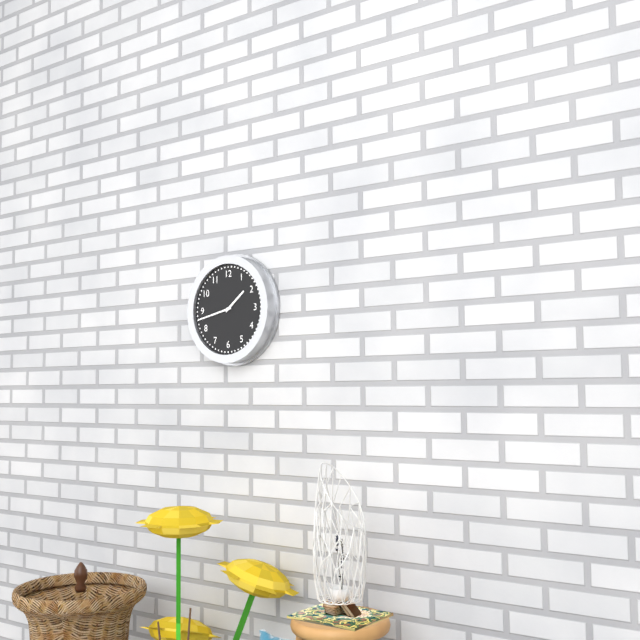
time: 1:43
